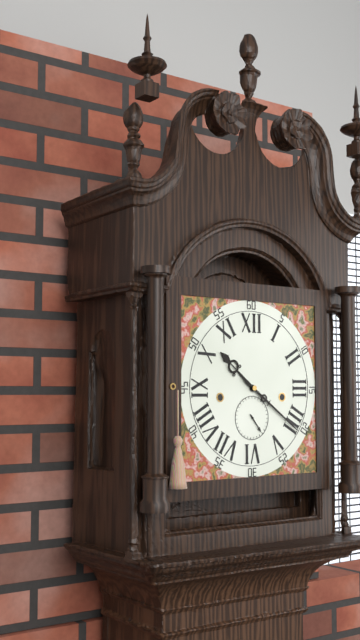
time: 10:21
